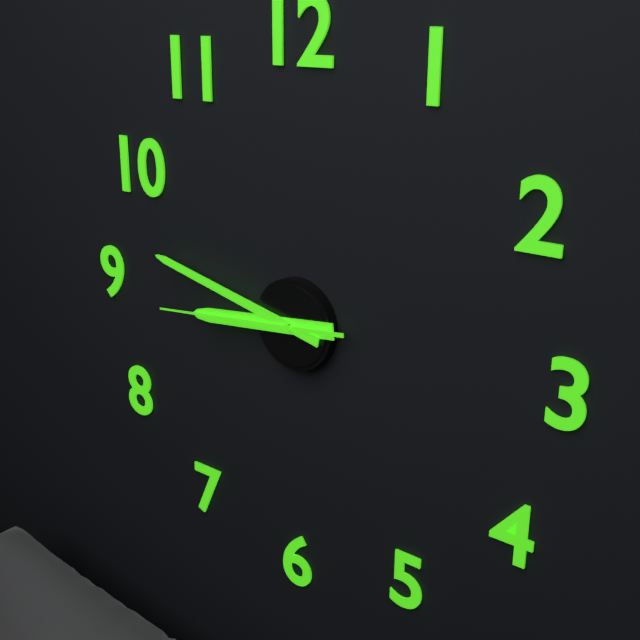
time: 8:47:44
